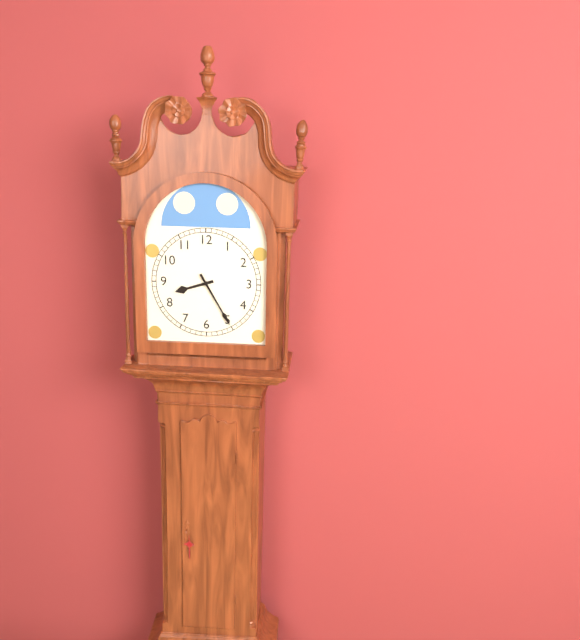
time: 8:25
